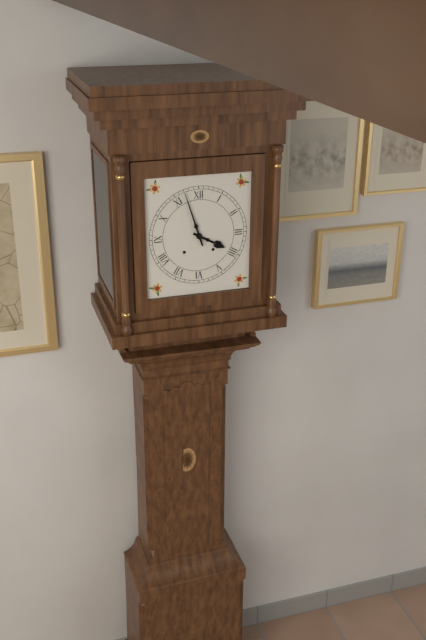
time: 3:57
